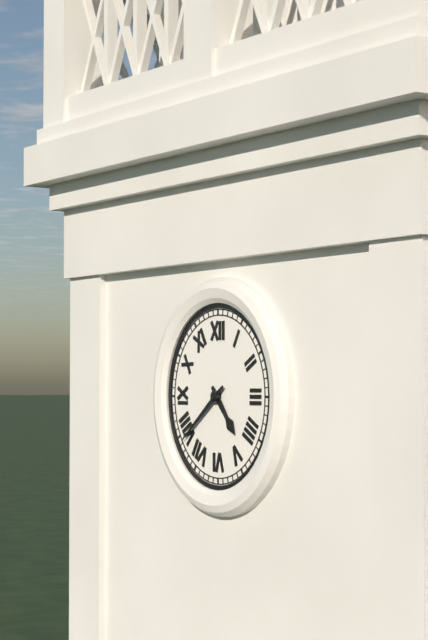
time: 4:39
